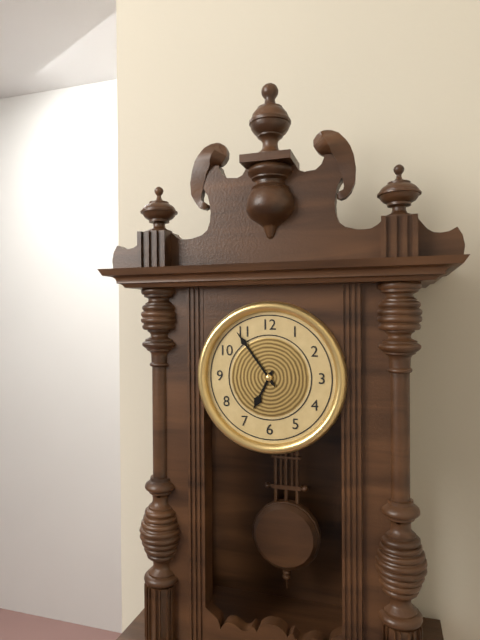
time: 6:54
